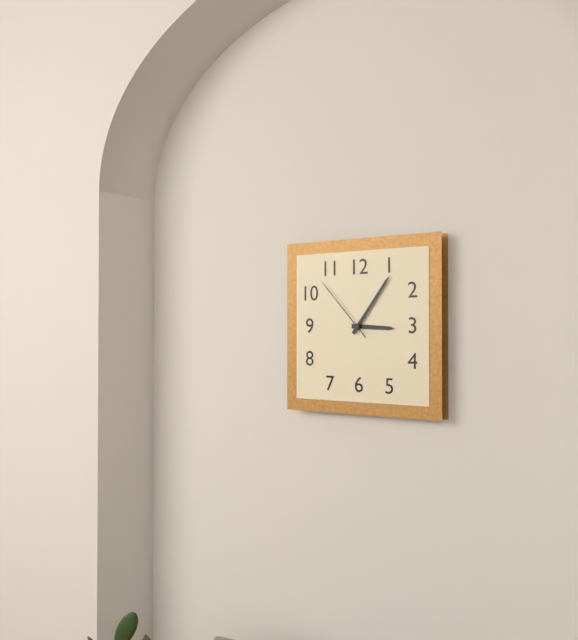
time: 3:06:53
